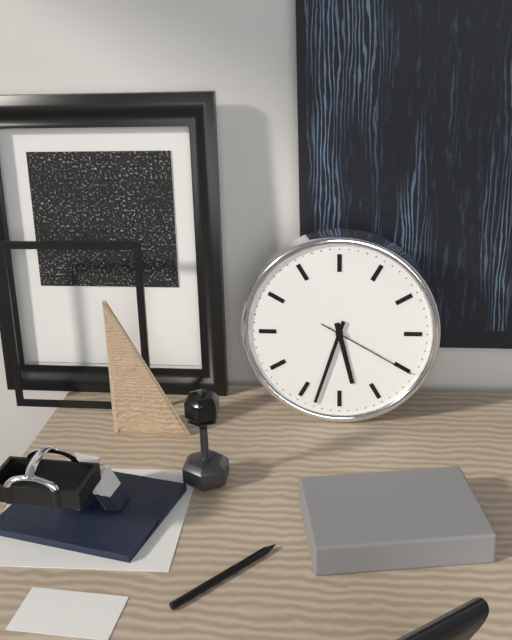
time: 5:33:20
